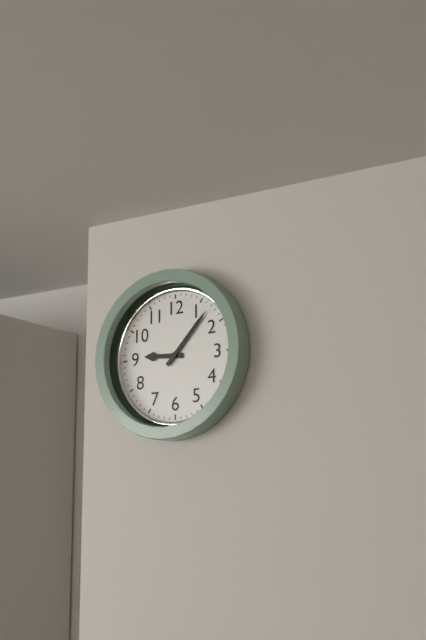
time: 9:07
